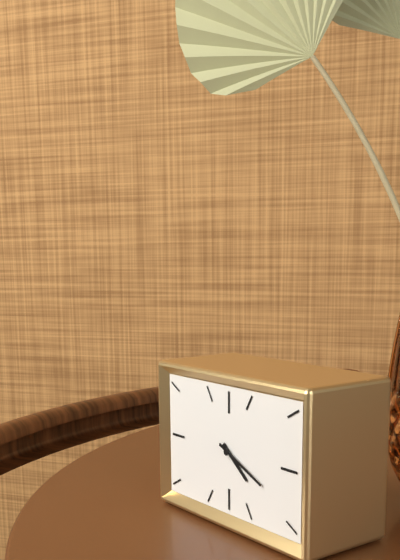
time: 4:19
